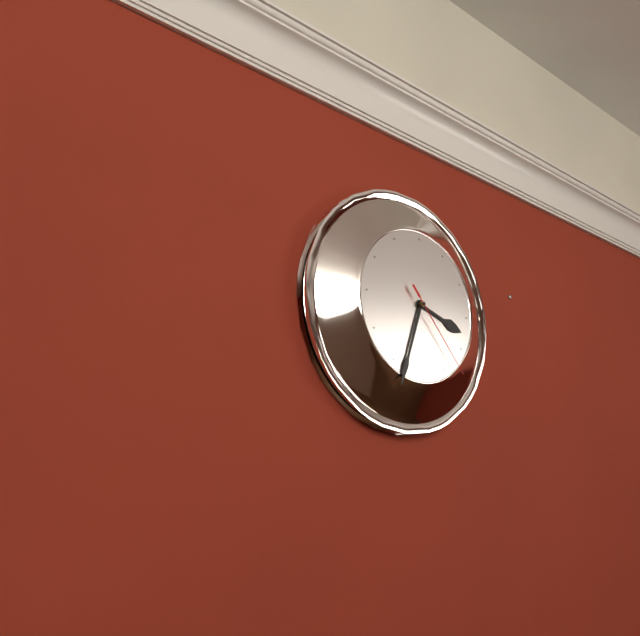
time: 3:33:23
